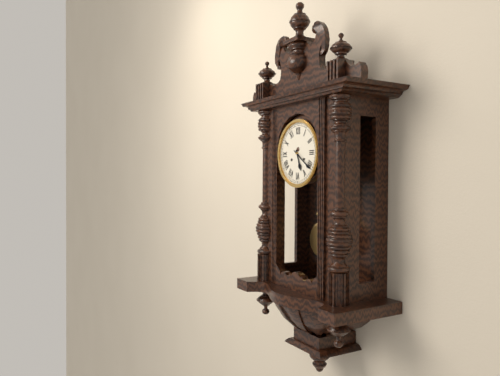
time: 5:21
